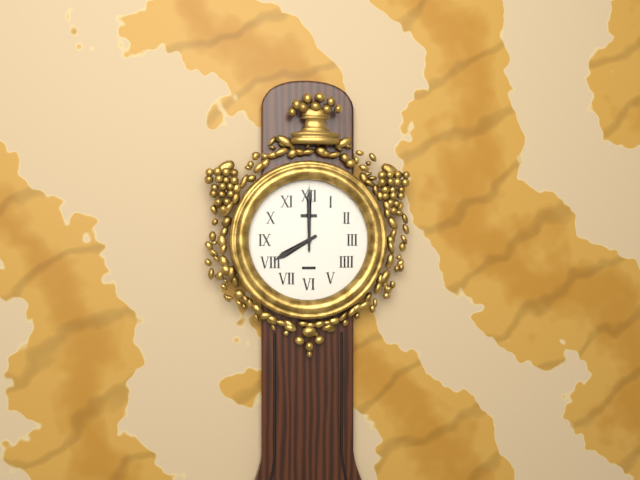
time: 8:00
